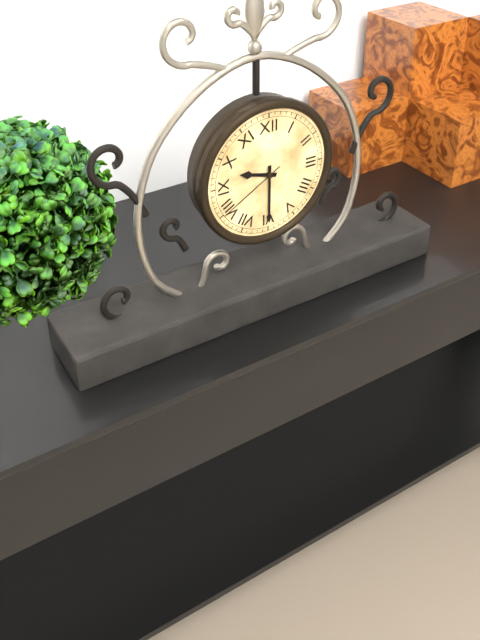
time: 9:30:40
